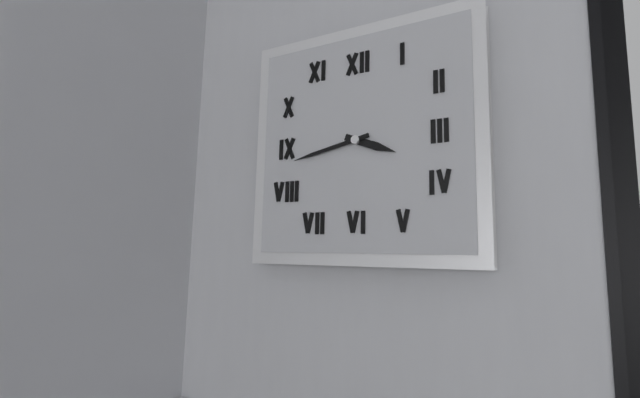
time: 3:43
